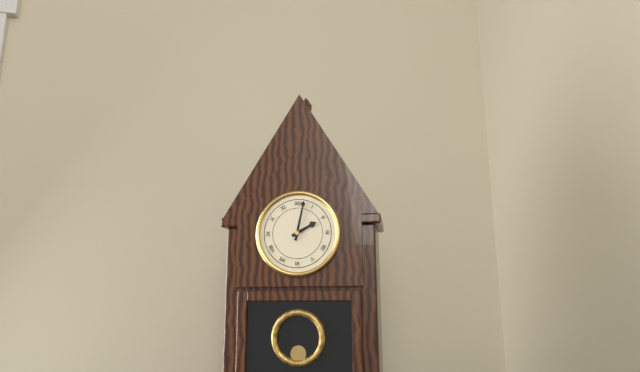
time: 2:02
